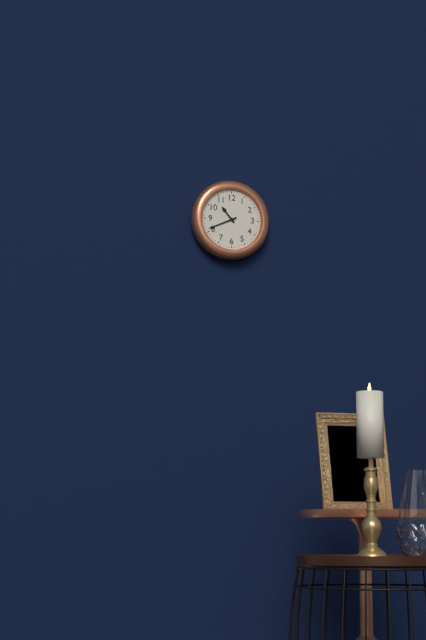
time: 10:41
